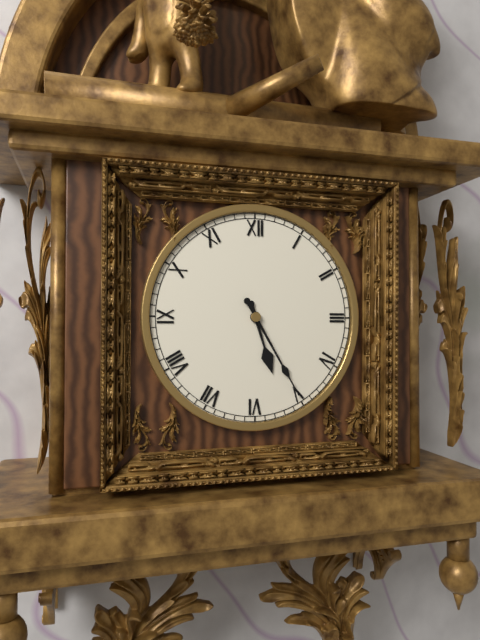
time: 5:25
